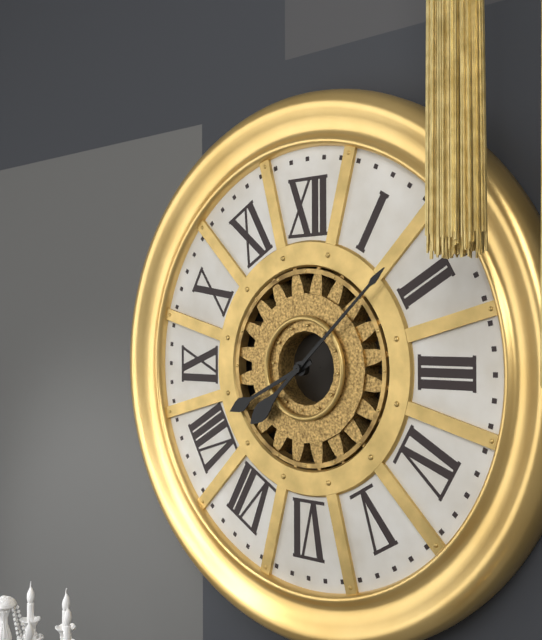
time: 8:08
